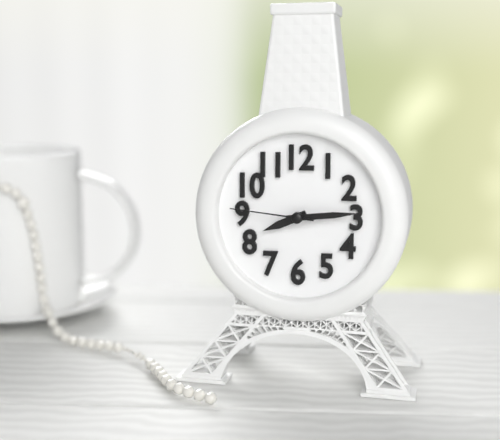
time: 8:14:46
